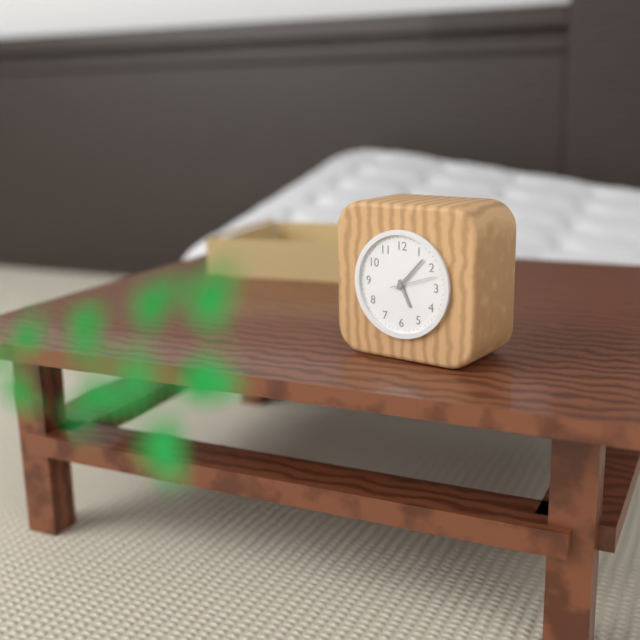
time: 5:07
